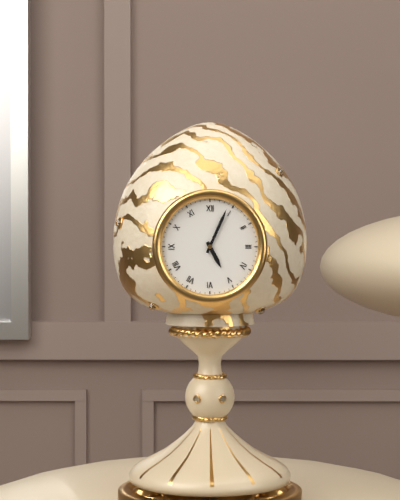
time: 5:04
